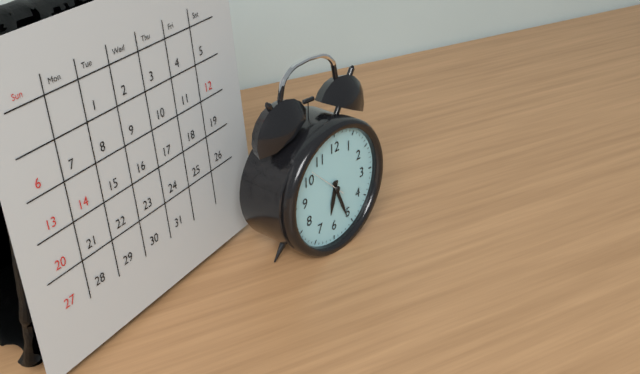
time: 6:26
